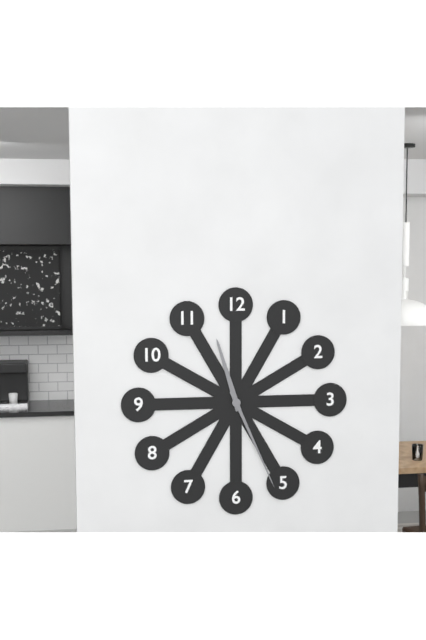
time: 11:26
